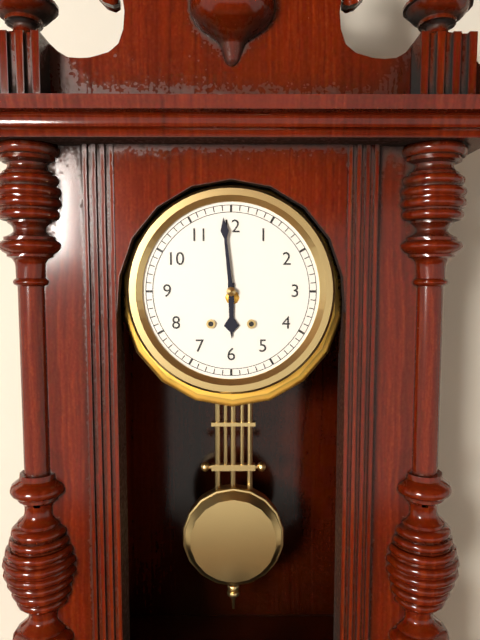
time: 5:59
